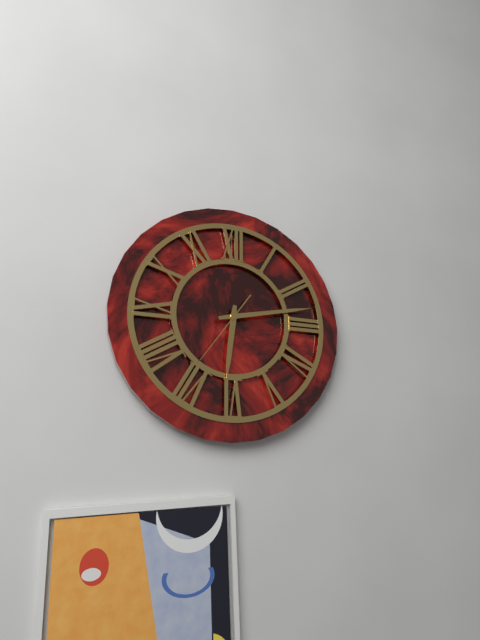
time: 6:13:36
